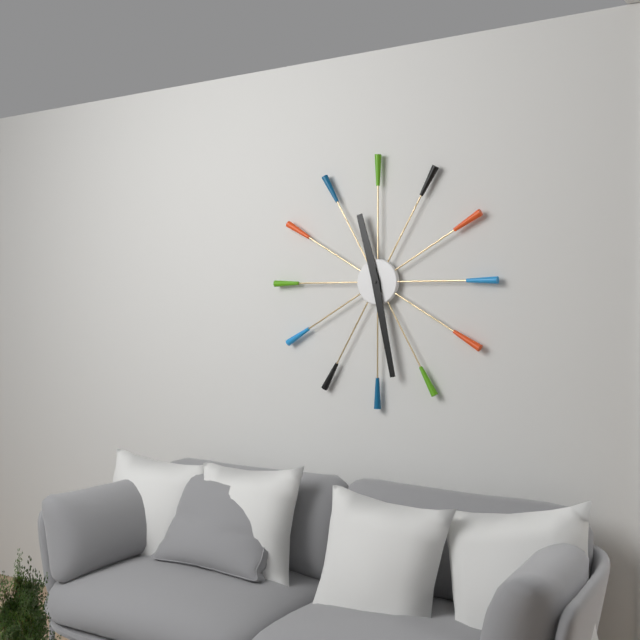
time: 11:28
